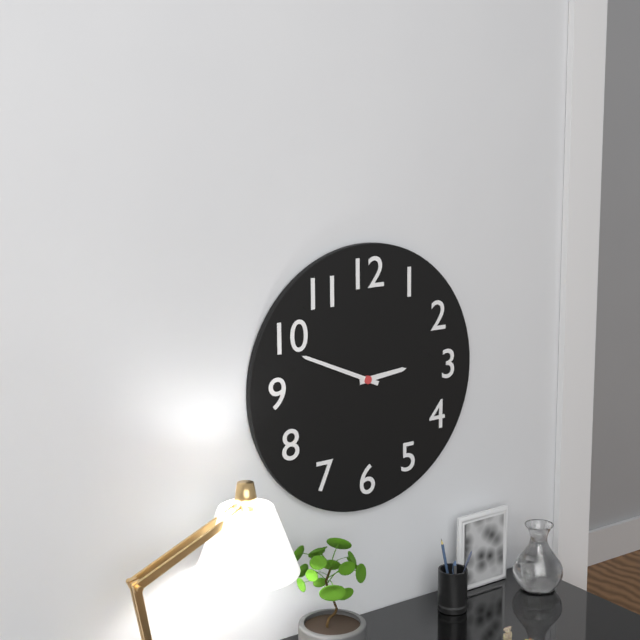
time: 2:49
